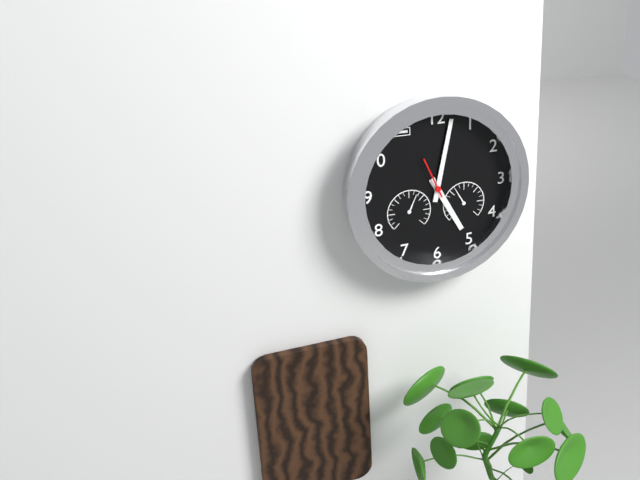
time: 5:02
